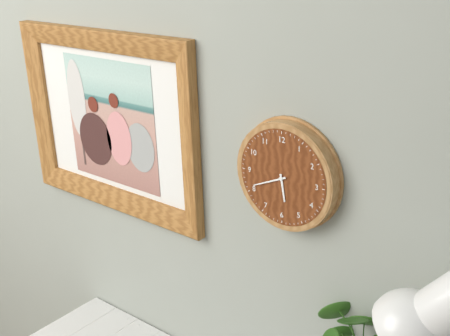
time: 5:41
